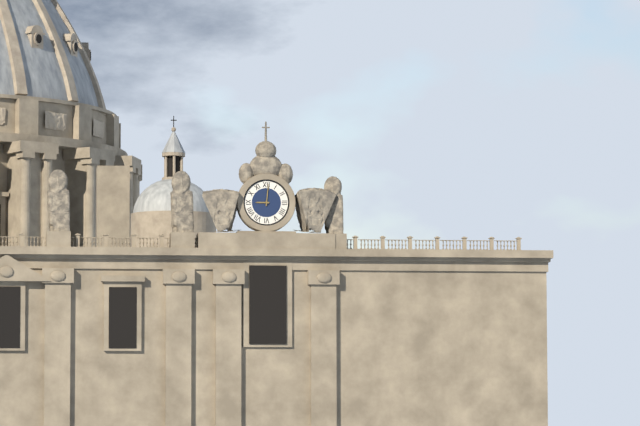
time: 9:01
